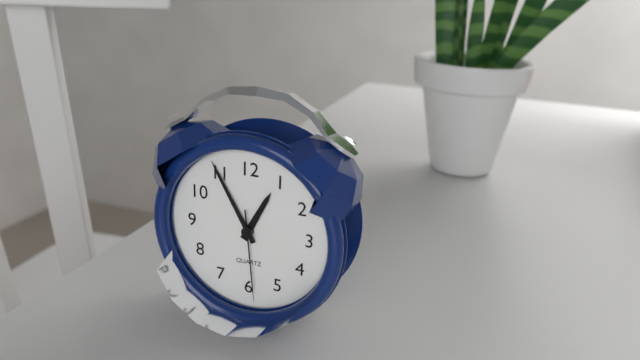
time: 12:55:29
